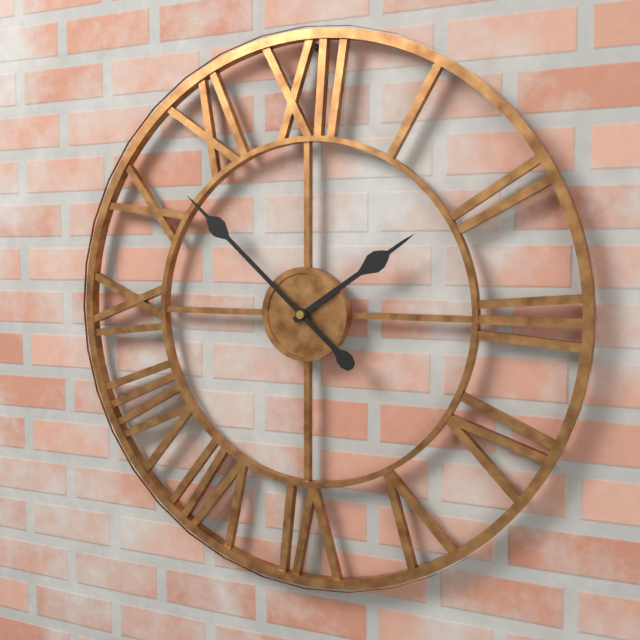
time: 1:52
